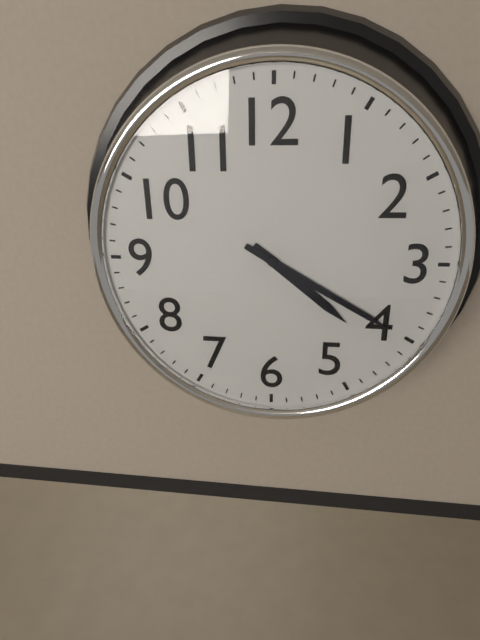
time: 4:20
